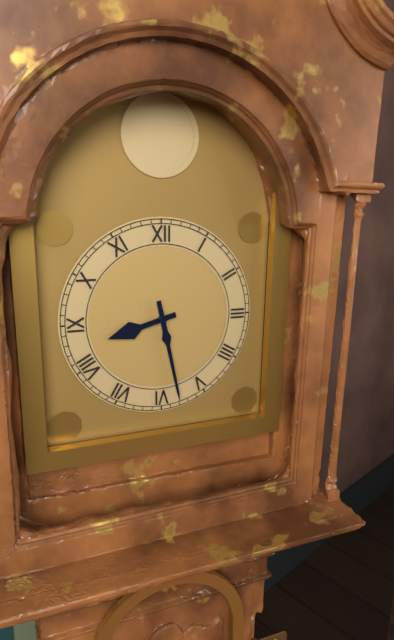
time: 8:28
